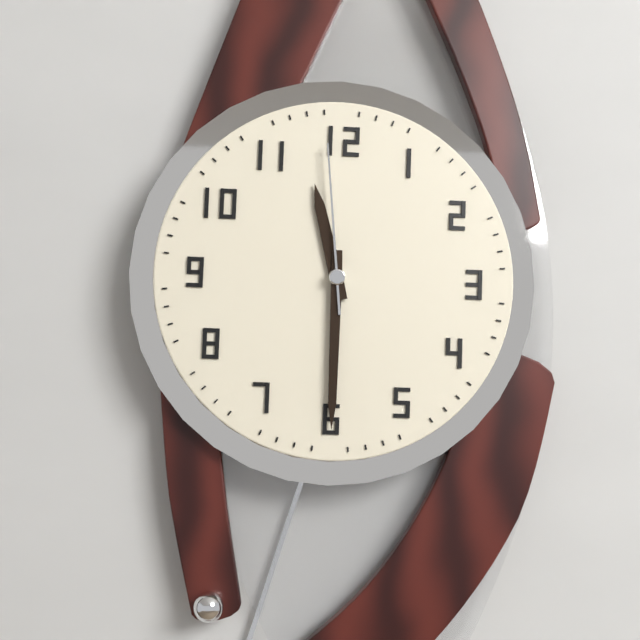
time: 11:30:59
